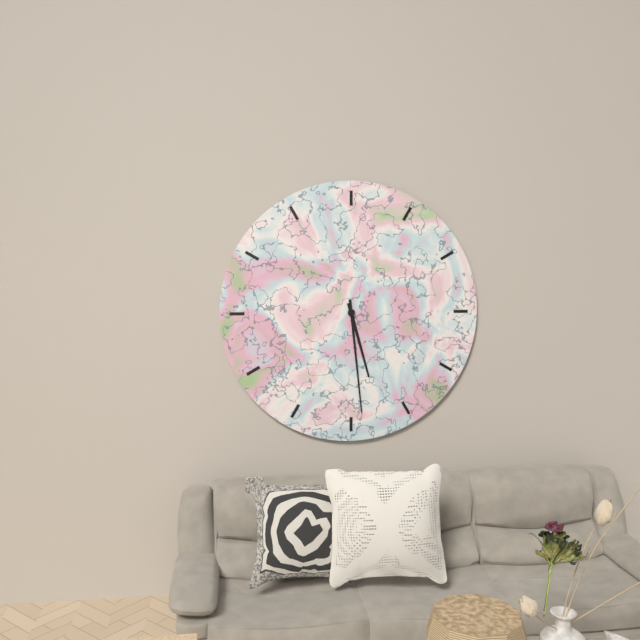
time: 5:29
